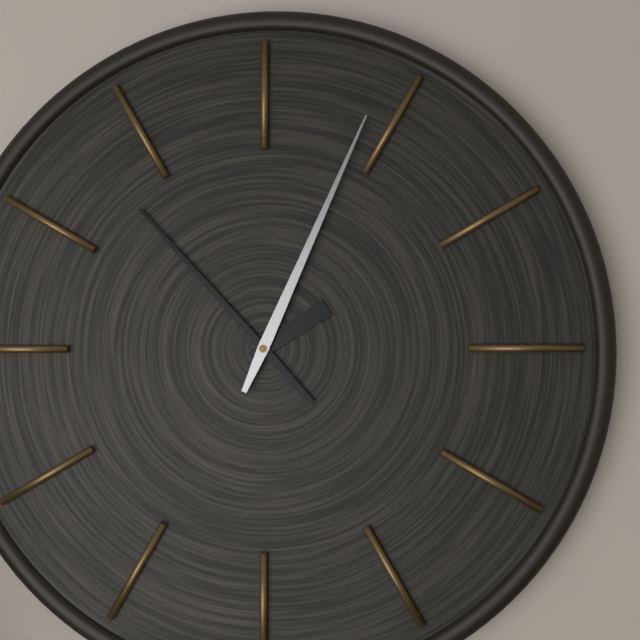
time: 1:53:04
